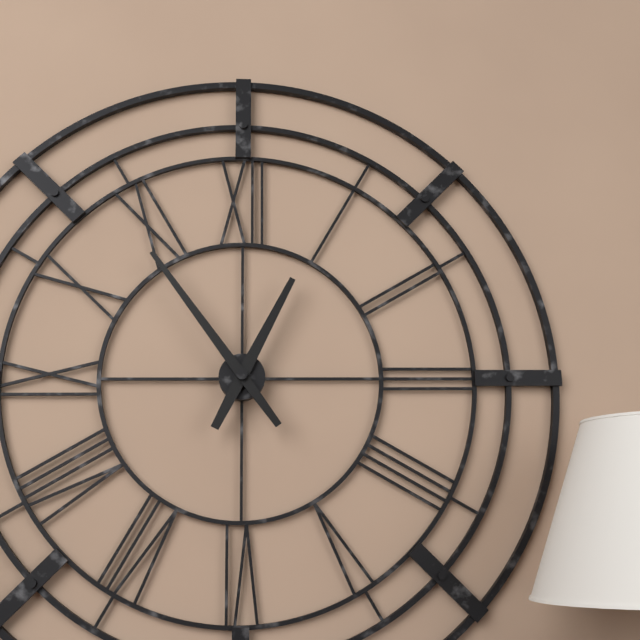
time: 12:54
